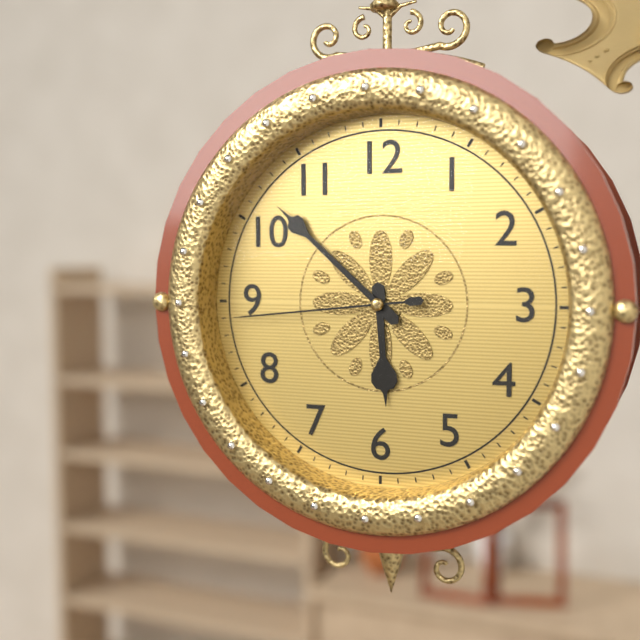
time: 5:52:44
